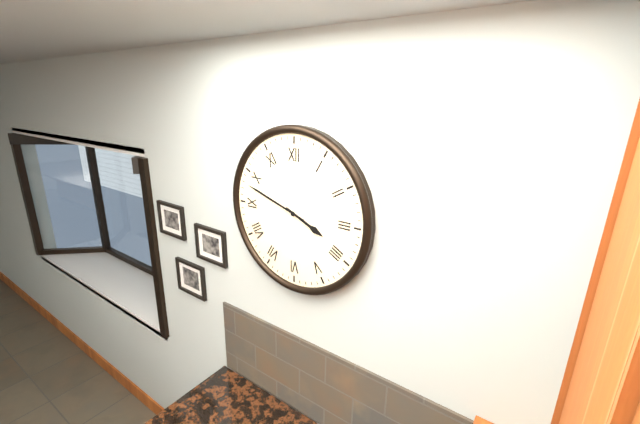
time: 3:48
